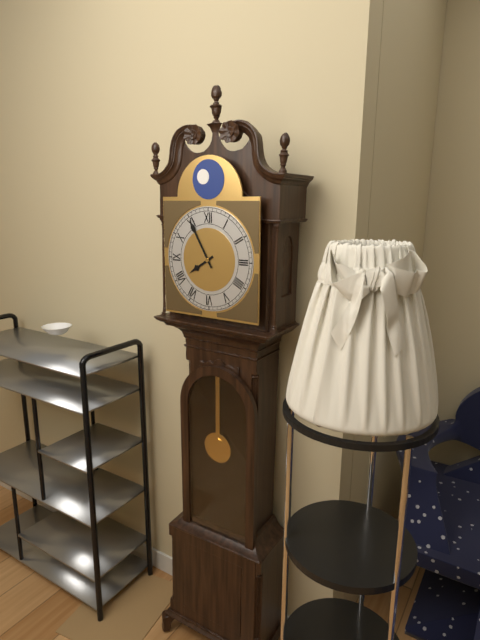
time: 7:55
